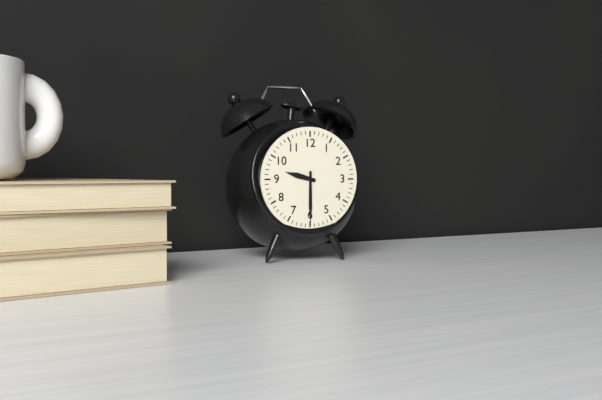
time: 9:30
